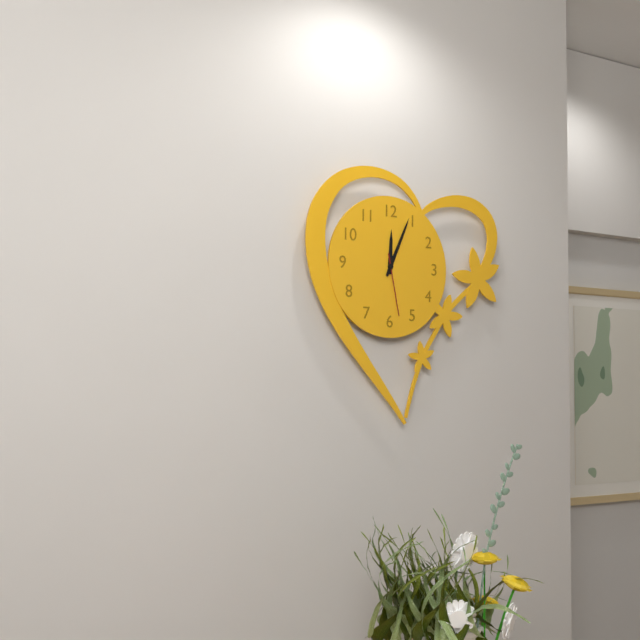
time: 12:04:28
